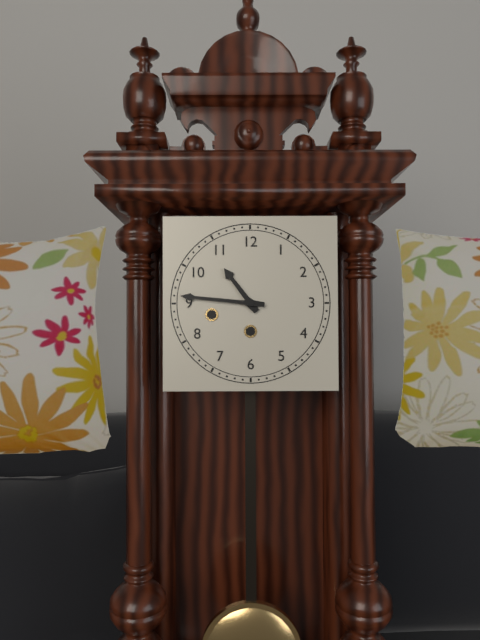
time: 10:46
